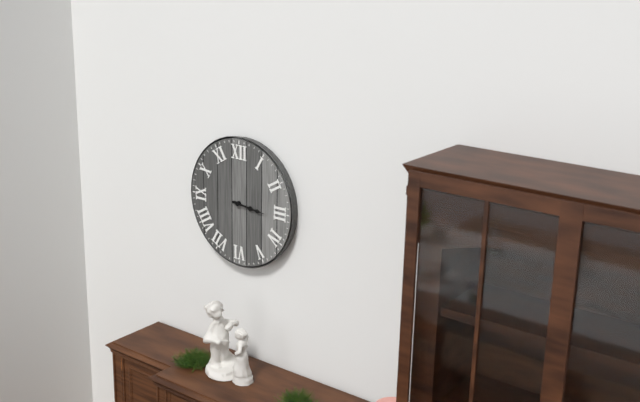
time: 3:16
